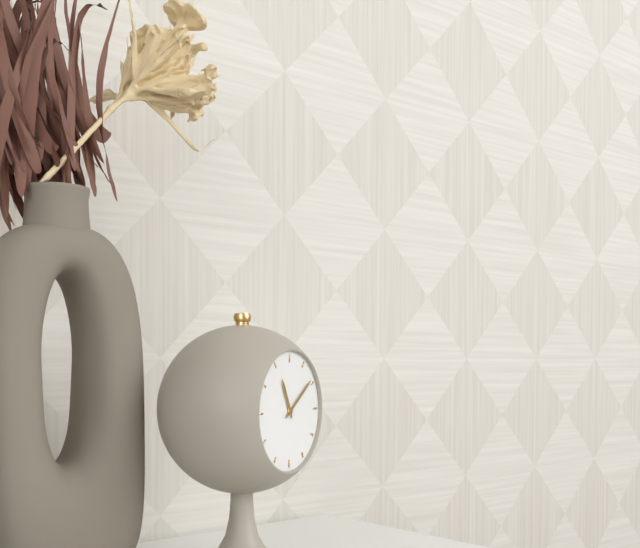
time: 11:09
